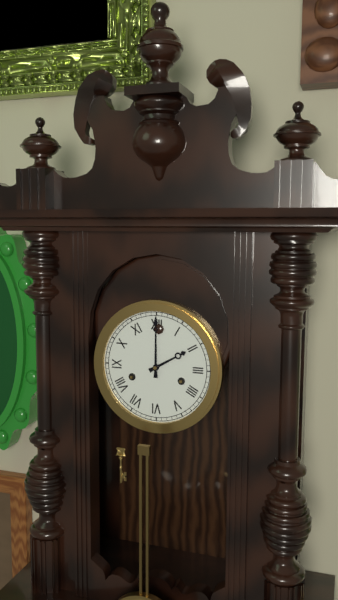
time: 2:00
